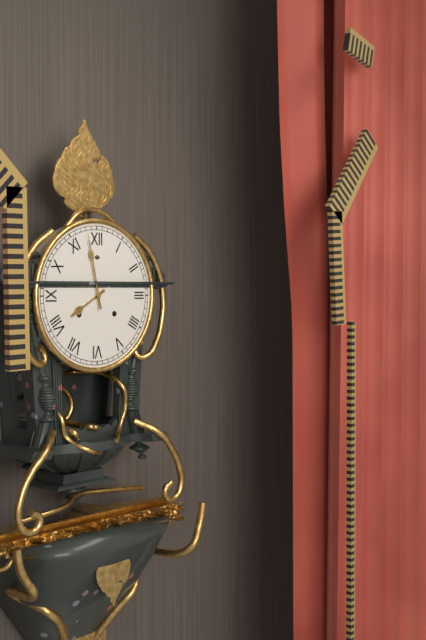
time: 7:58
